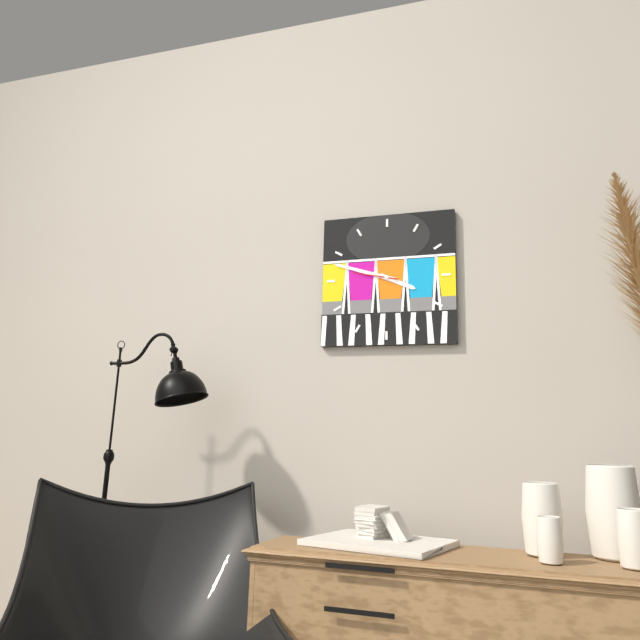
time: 3:48
